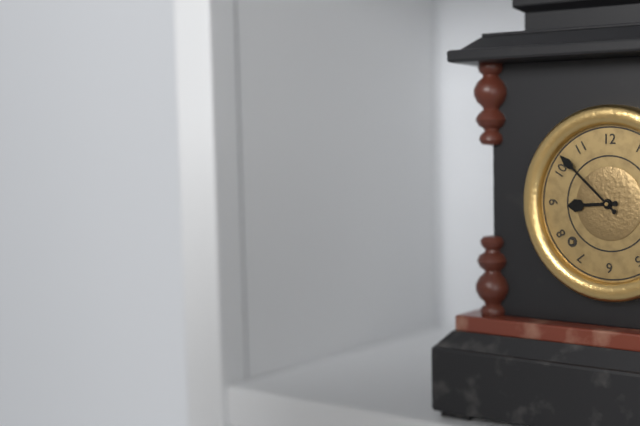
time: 8:52
